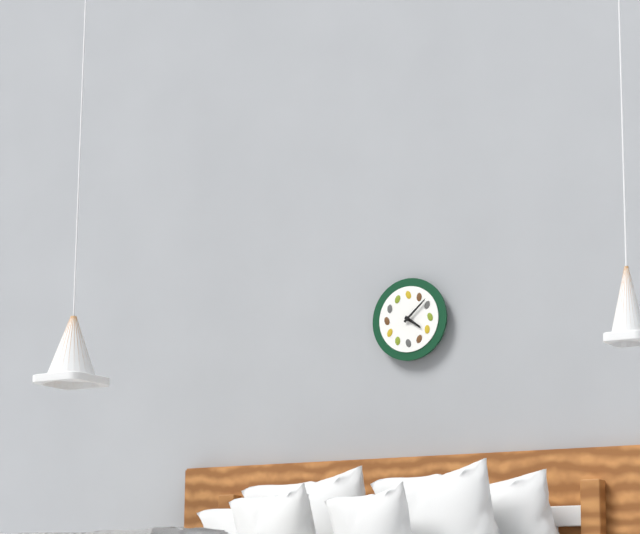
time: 4:08
